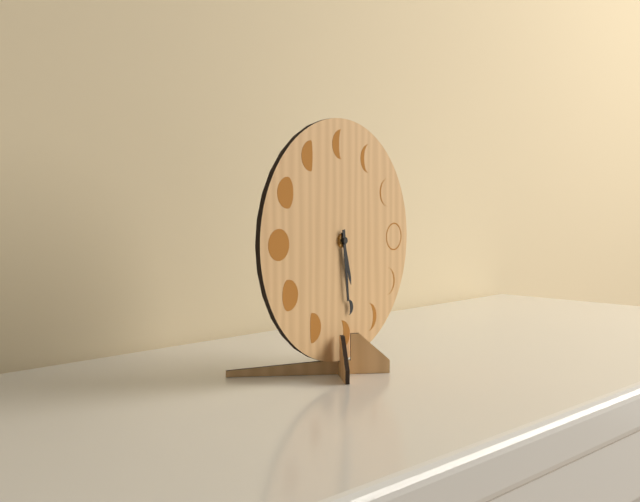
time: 5:29
